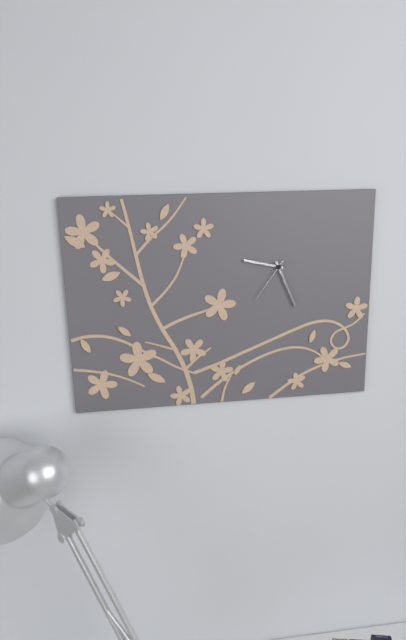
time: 9:26
